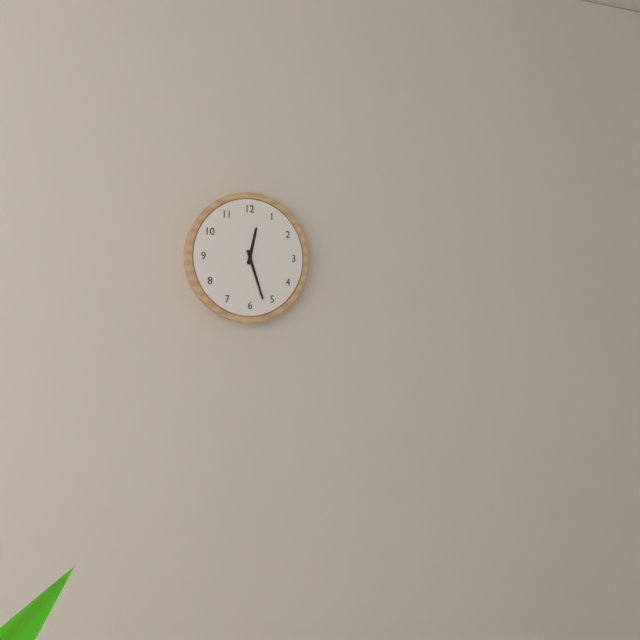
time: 12:27
